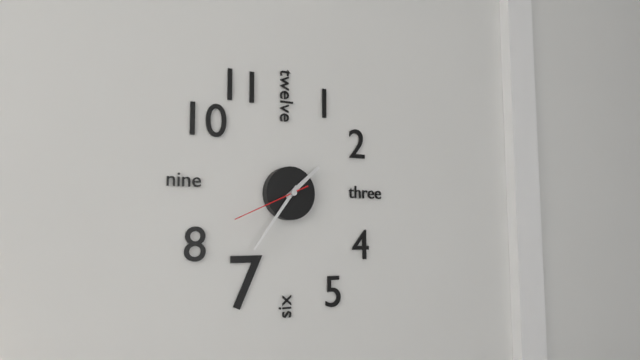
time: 1:36:41
